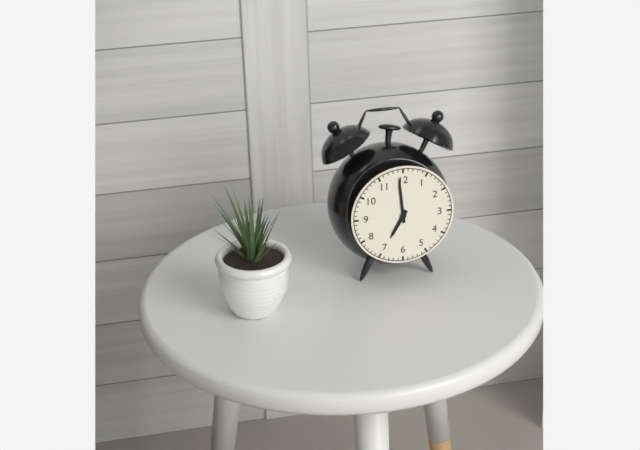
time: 6:59
